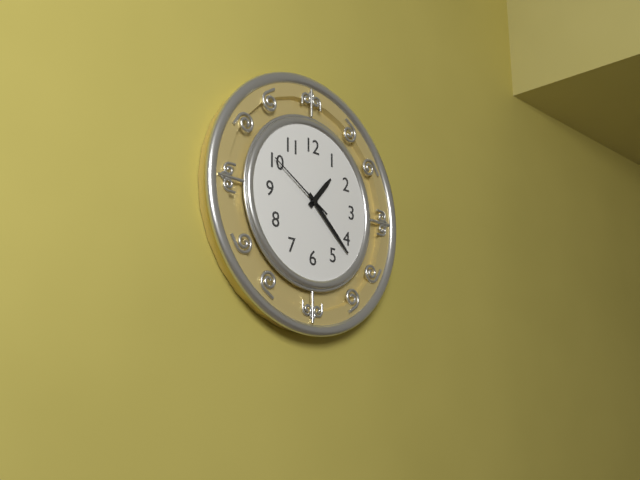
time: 1:22:50
